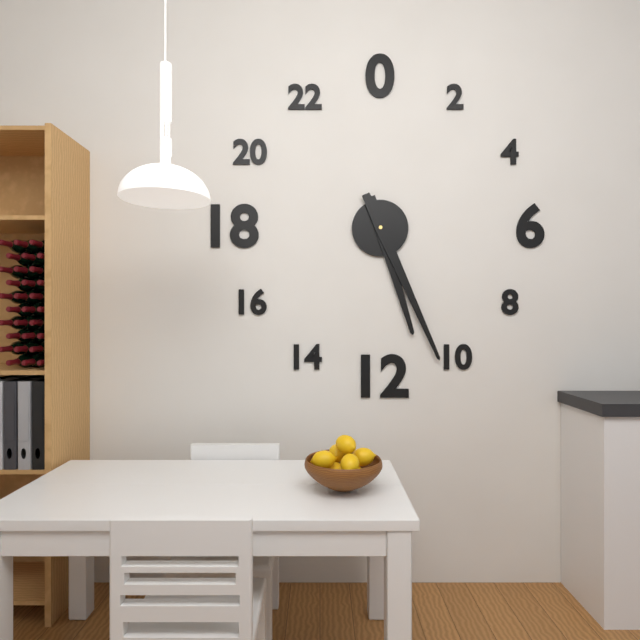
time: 5:26
